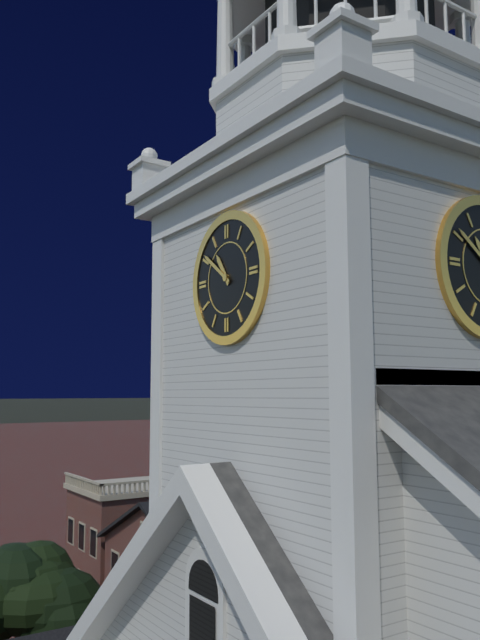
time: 10:51
